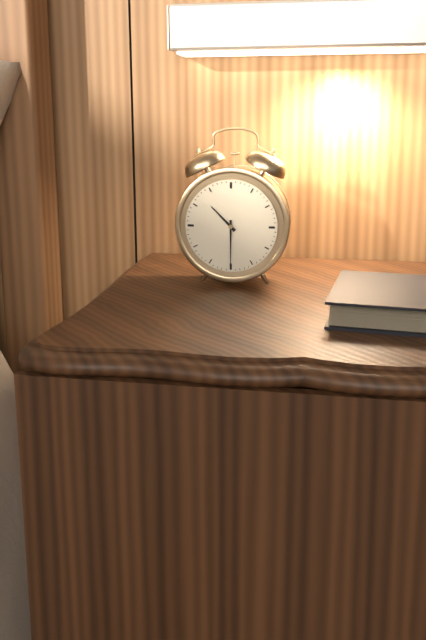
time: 10:30
